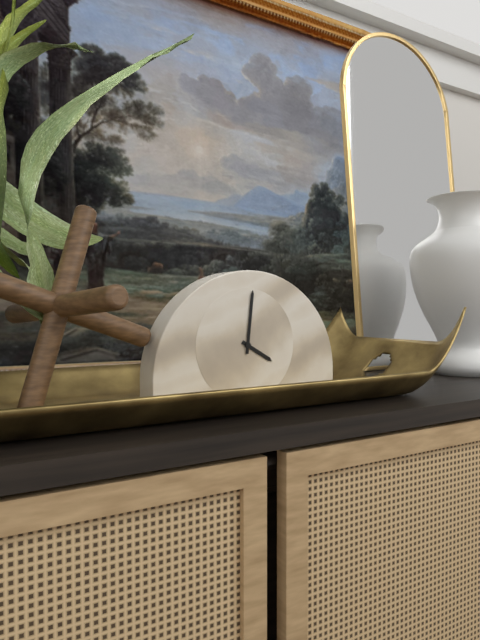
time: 4:01
